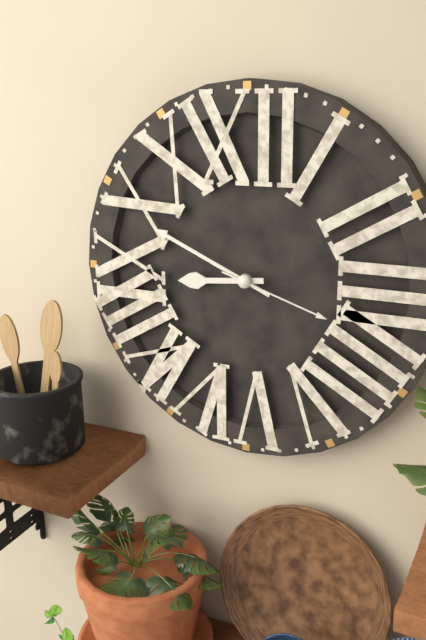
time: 8:49:18
